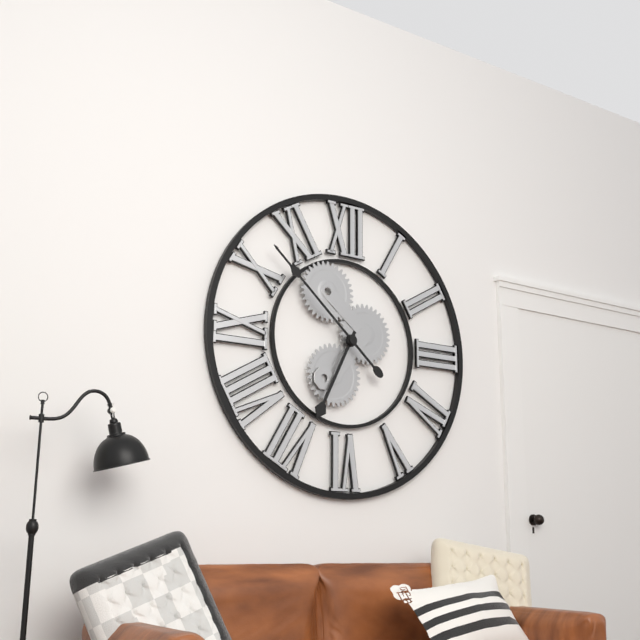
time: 6:52
